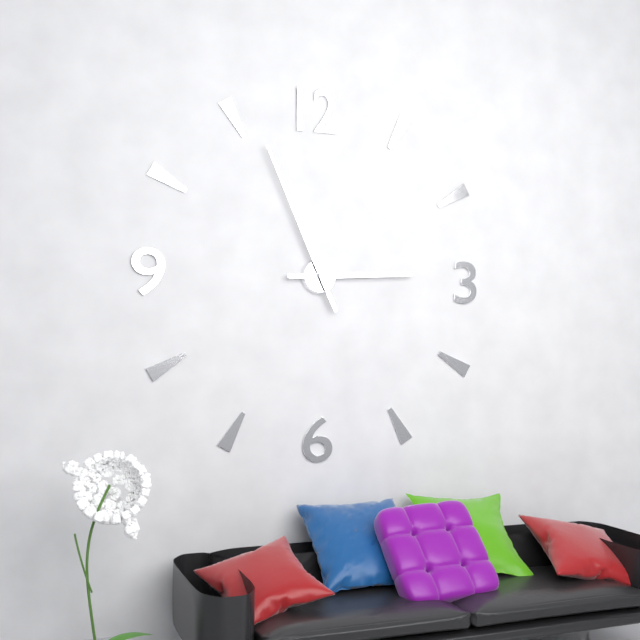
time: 2:56
